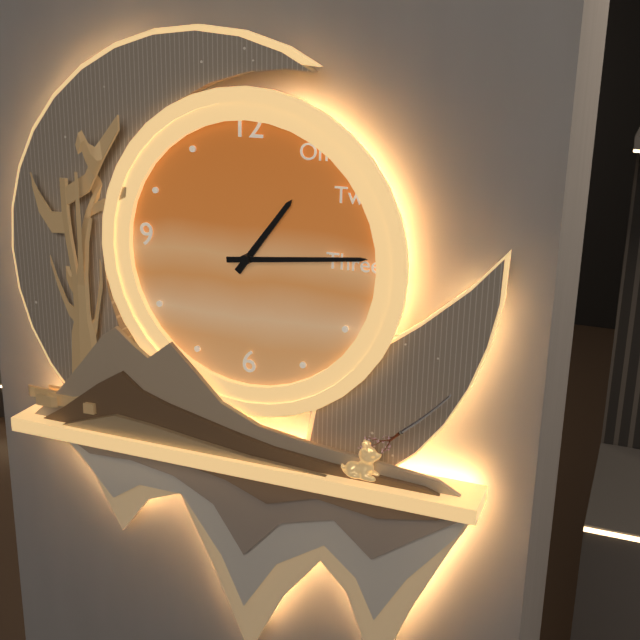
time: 1:14
